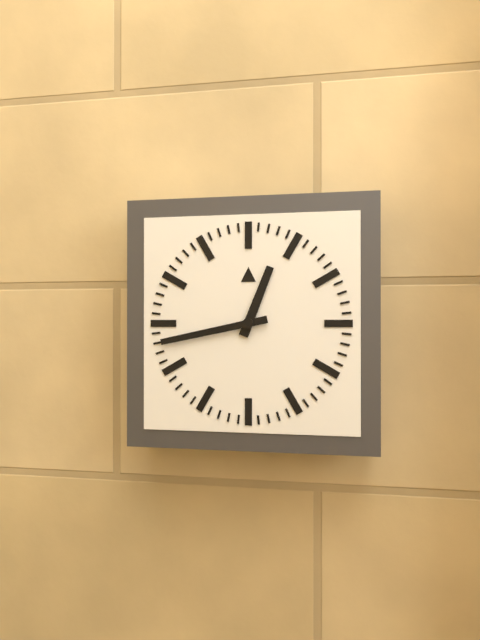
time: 12:43
